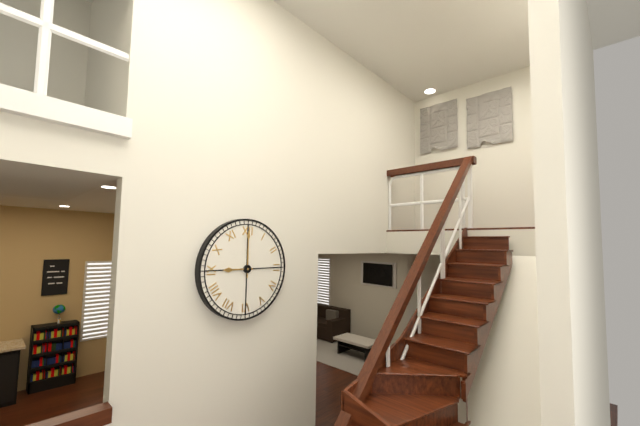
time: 9:00
